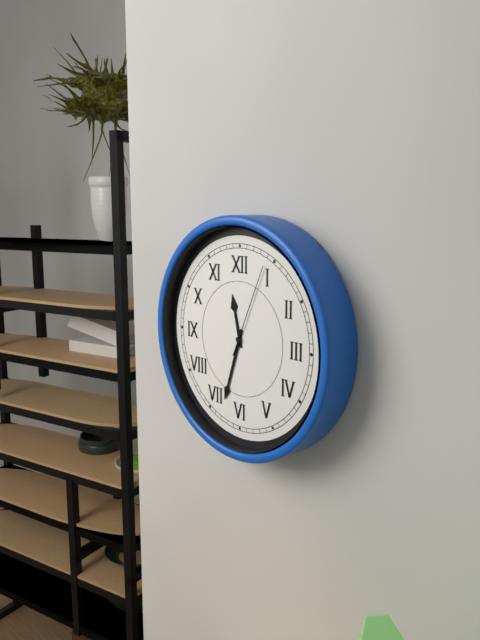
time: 11:33:04
